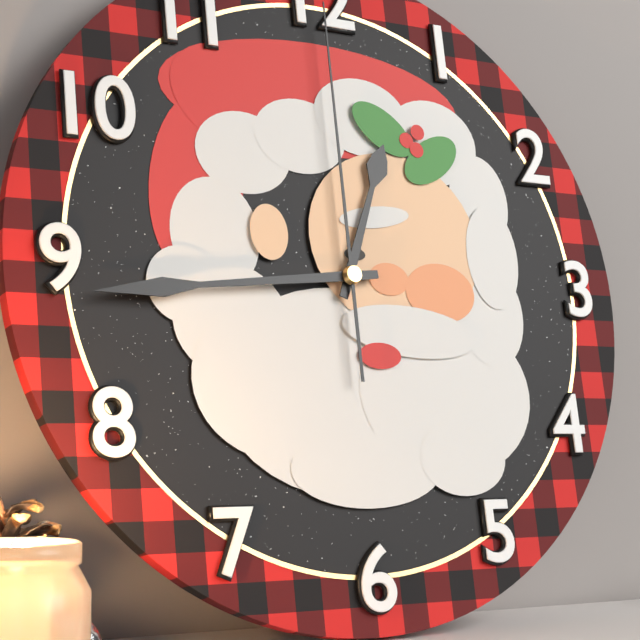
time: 12:44:00
